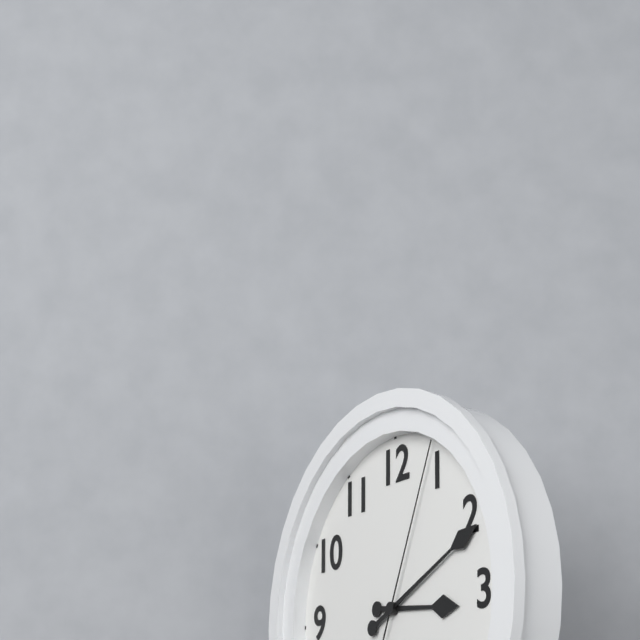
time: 3:11:04
